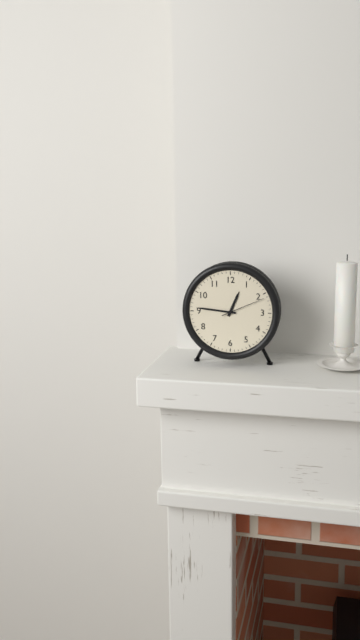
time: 12:46
